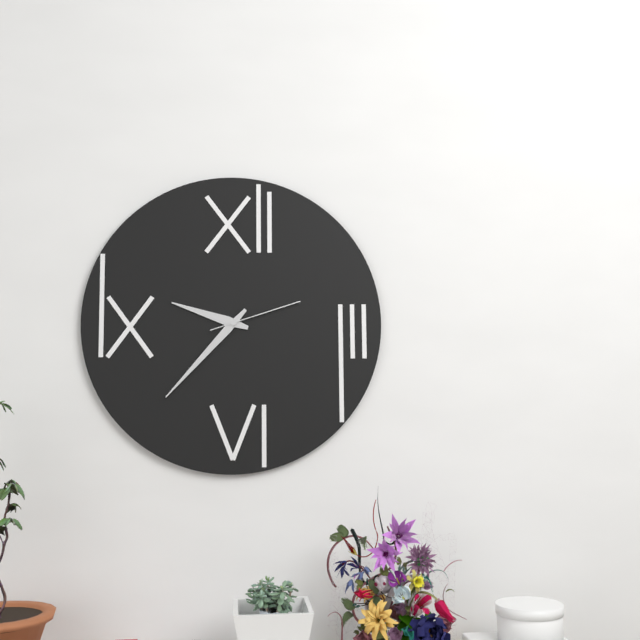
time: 9:37:12
